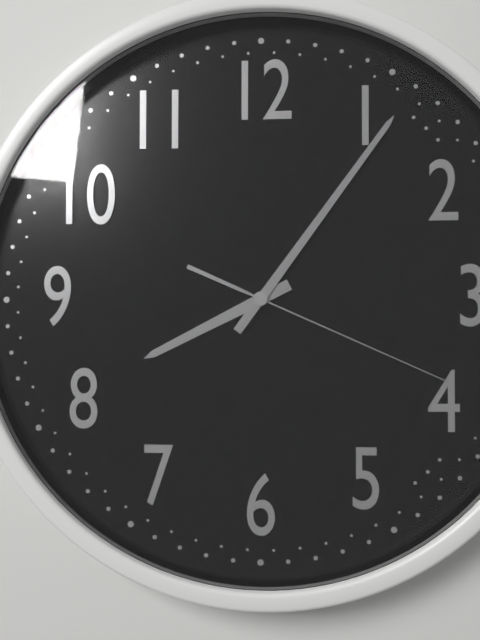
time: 8:06:19
